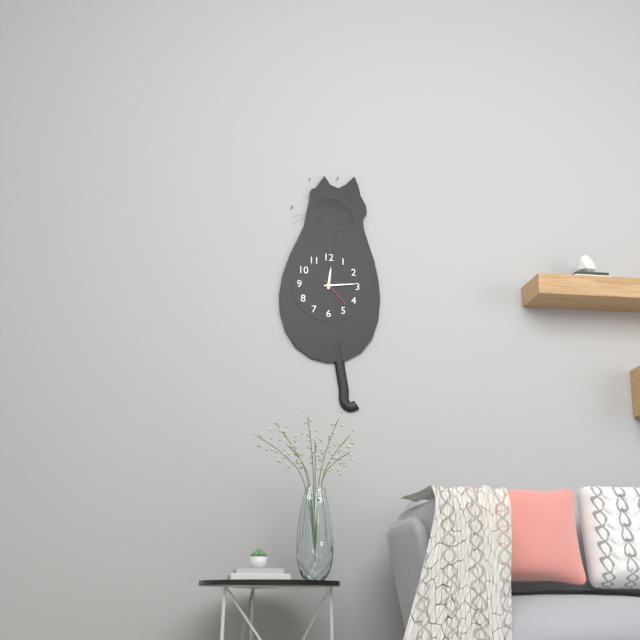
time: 12:14
